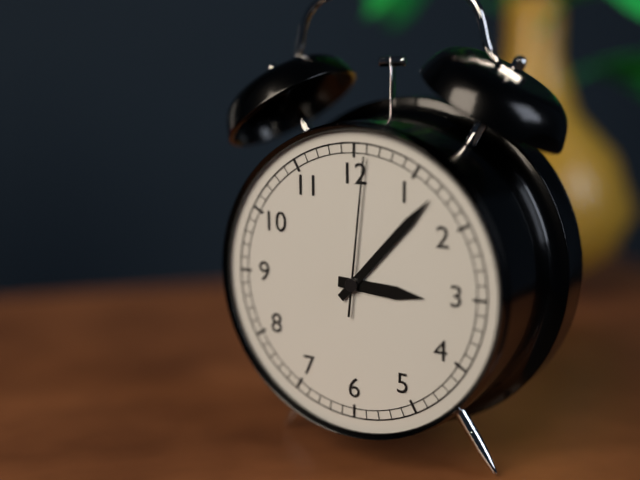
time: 3:07:01
